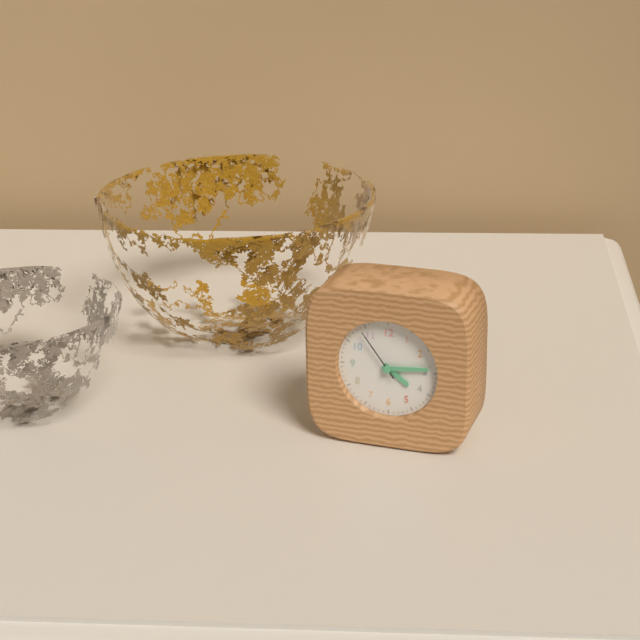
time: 4:14:54
